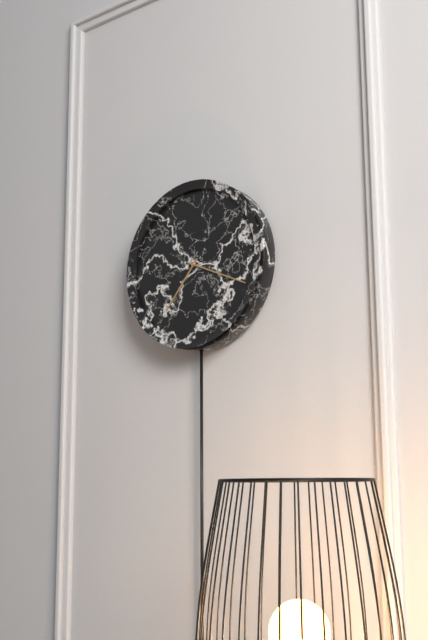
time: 7:19
